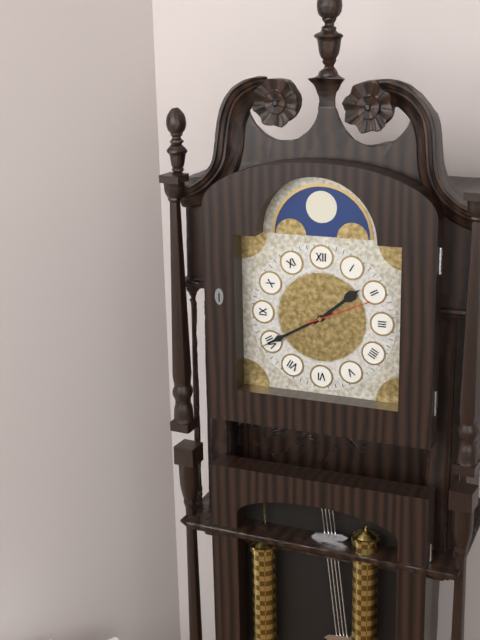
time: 1:40:11
